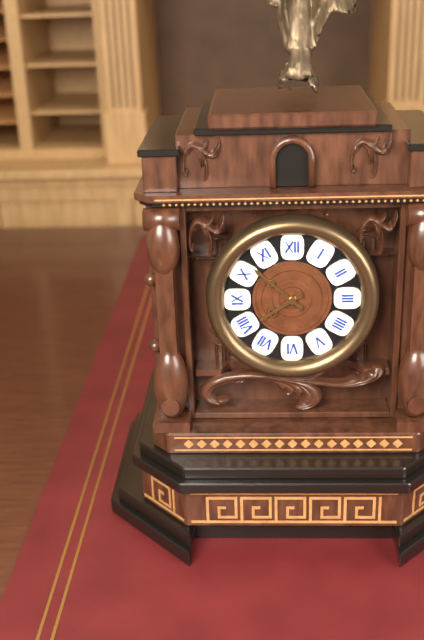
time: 7:52
